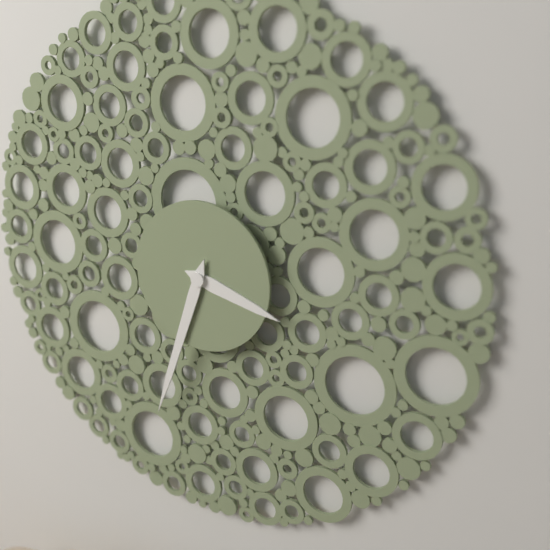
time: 3:33
